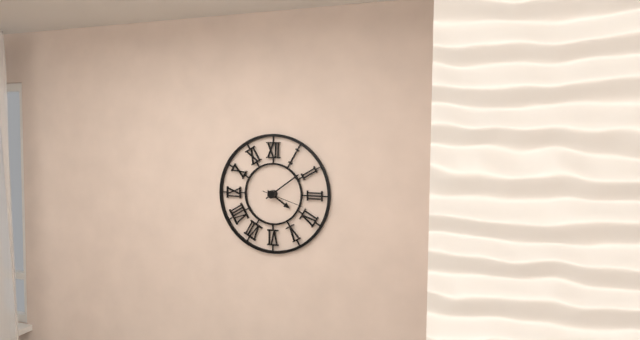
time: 4:09
